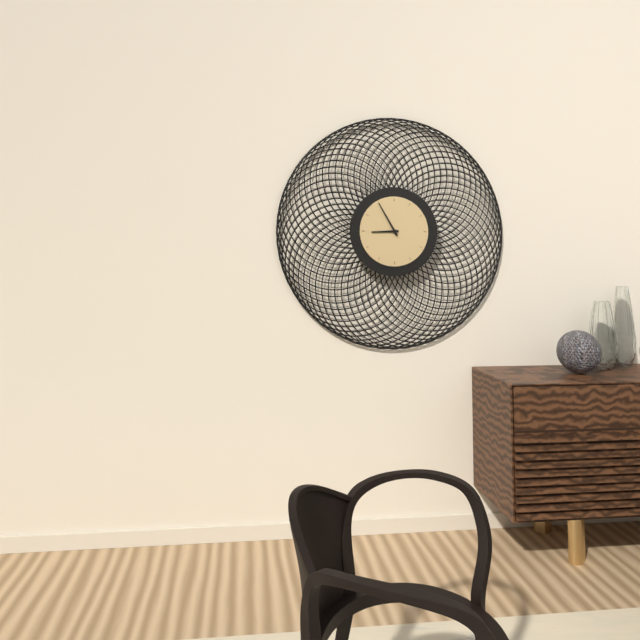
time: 8:55
